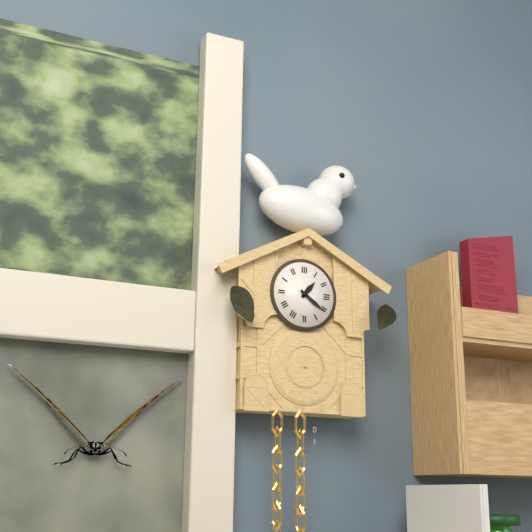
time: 1:21
